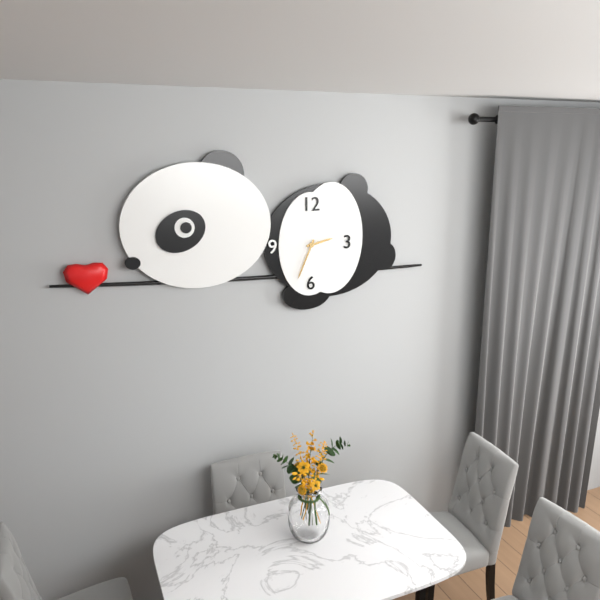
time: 2:34
